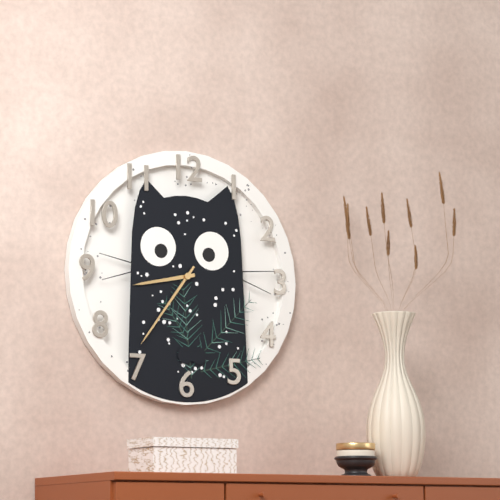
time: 8:36
